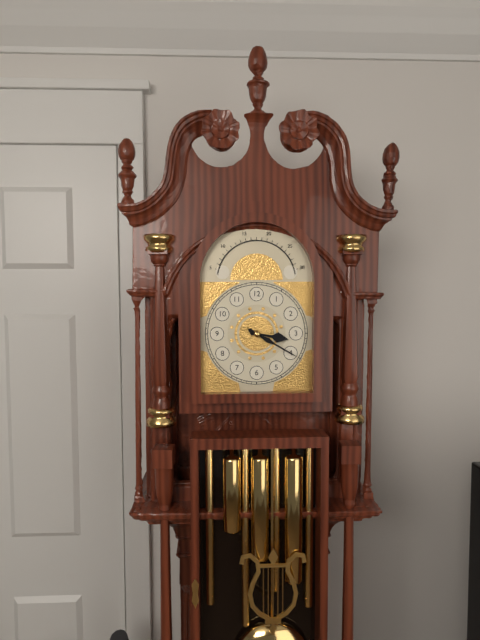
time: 3:20
